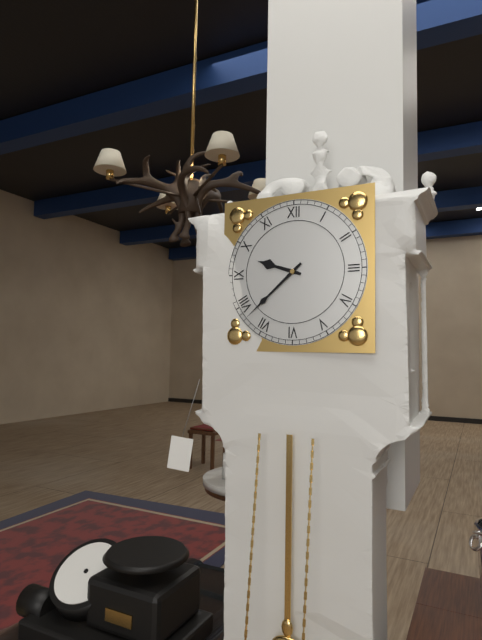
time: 9:38
